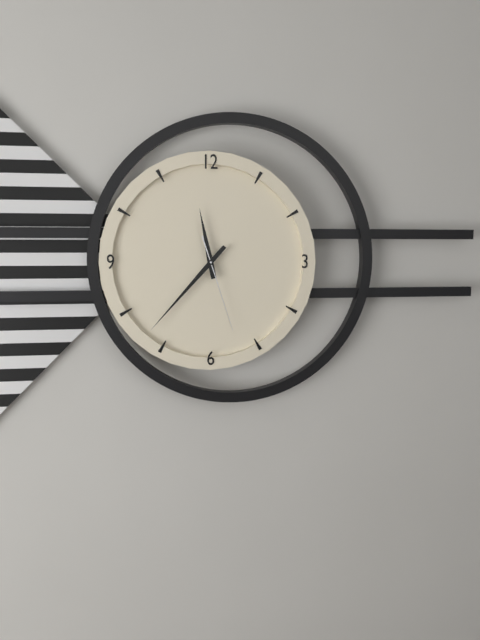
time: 11:37:27
